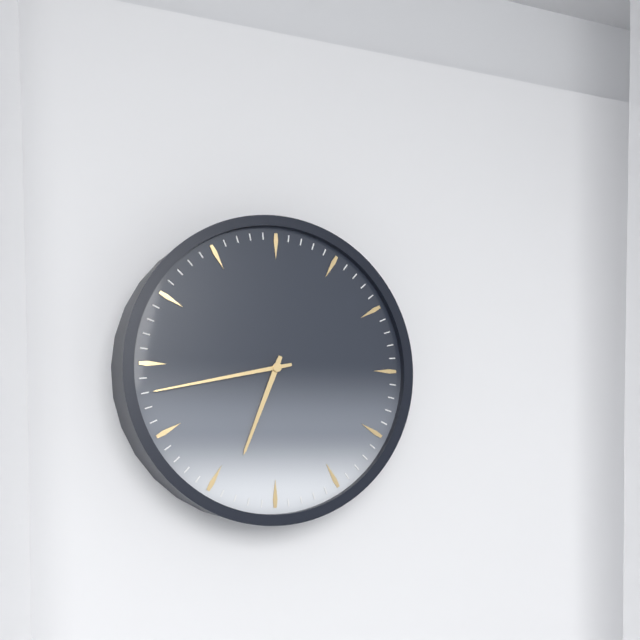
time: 6:43
